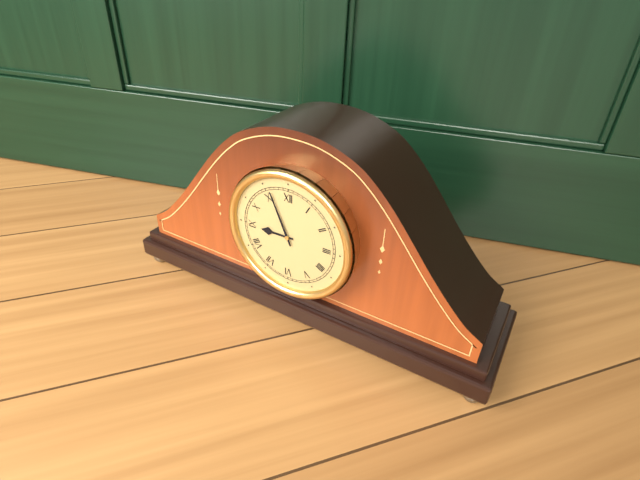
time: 8:56
